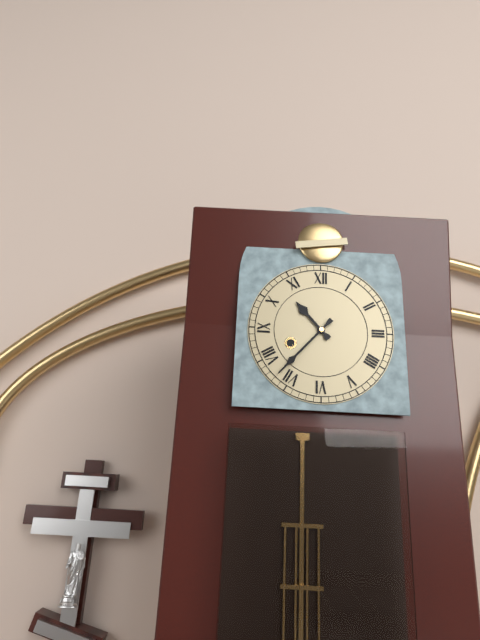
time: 10:37
